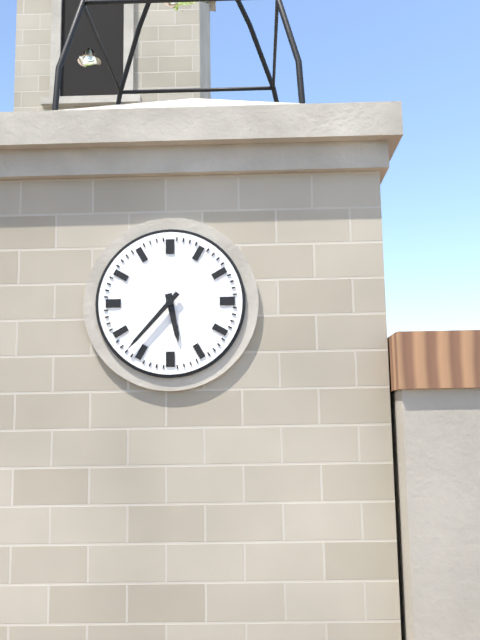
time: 5:37
